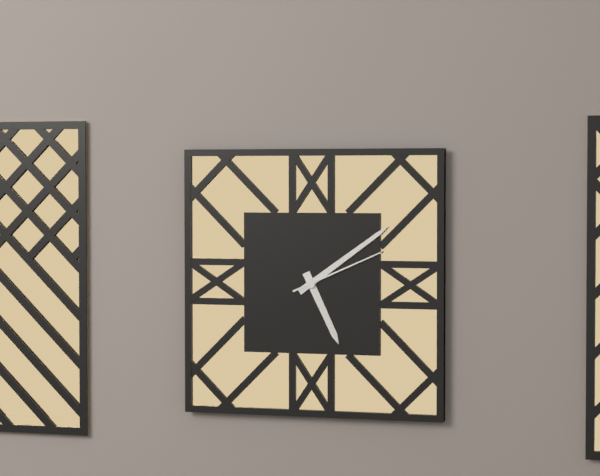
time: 5:09:11
